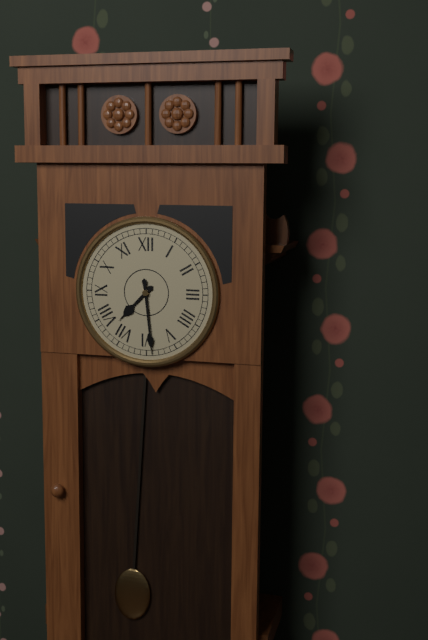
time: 7:29
